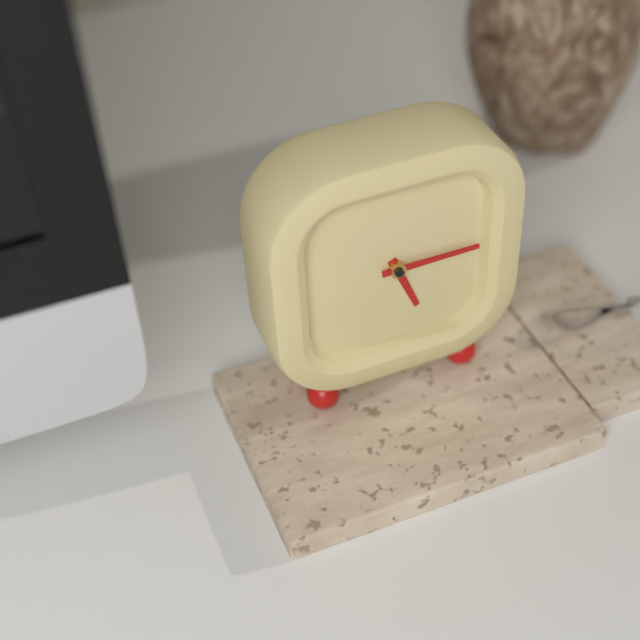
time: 5:15
